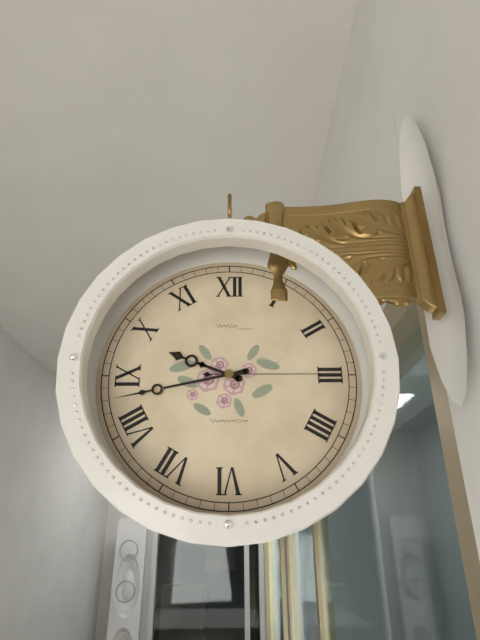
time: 9:43:15
